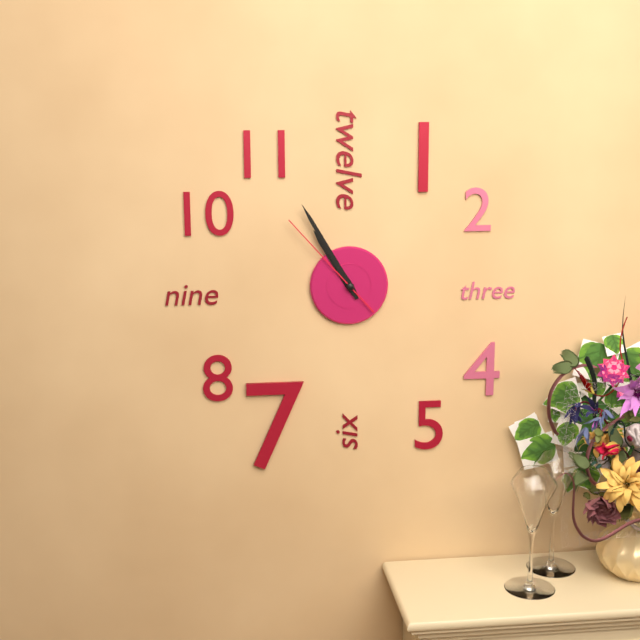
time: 10:55:53
